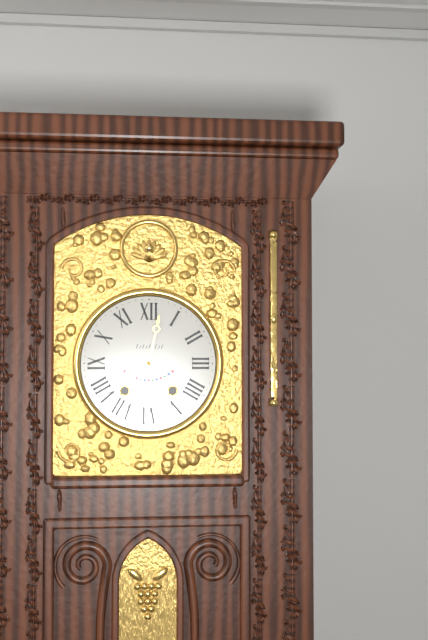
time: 8:02
